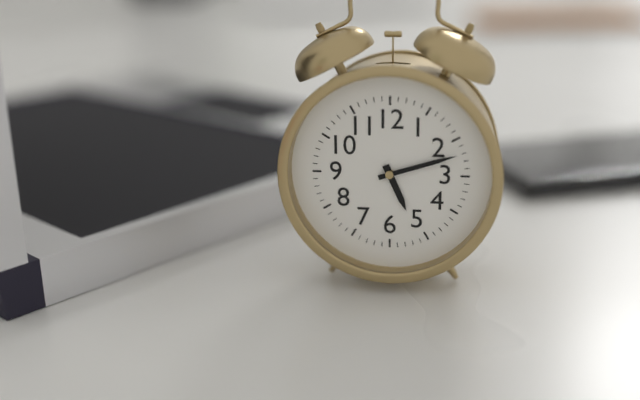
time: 5:12
